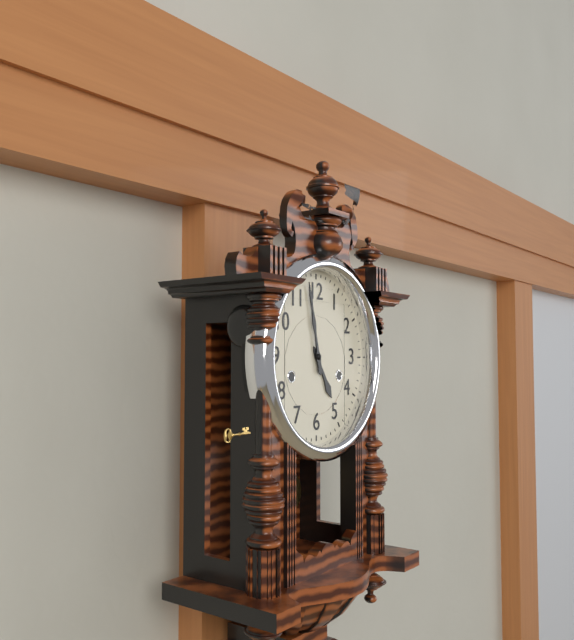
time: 4:58
